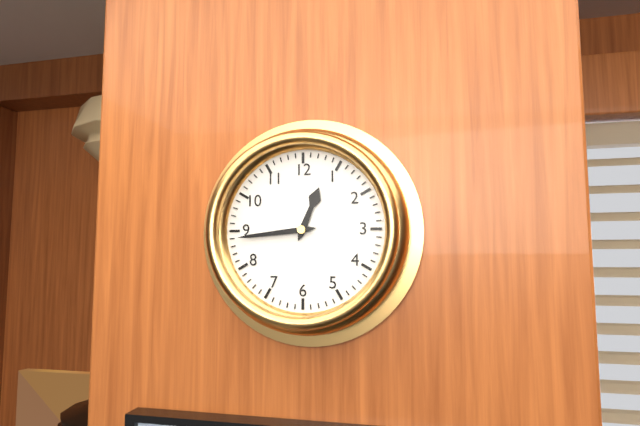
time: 12:44
